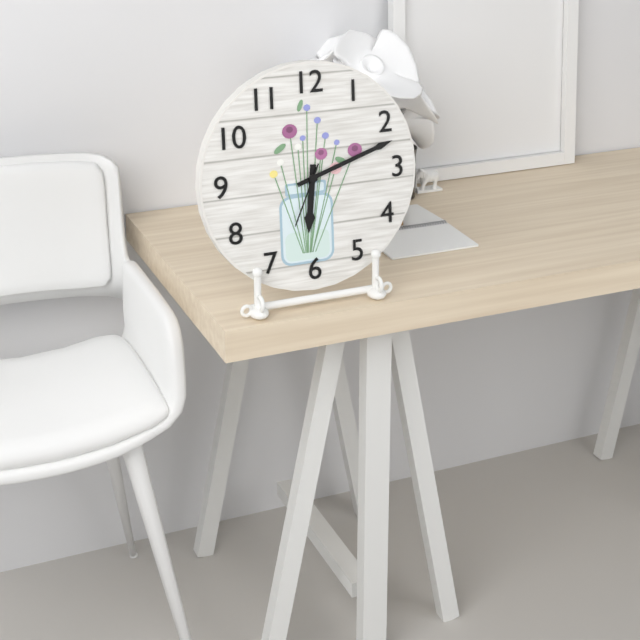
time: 6:12:34
